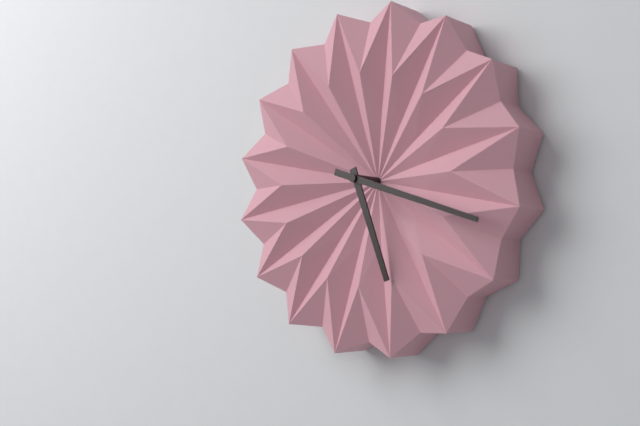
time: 5:18
